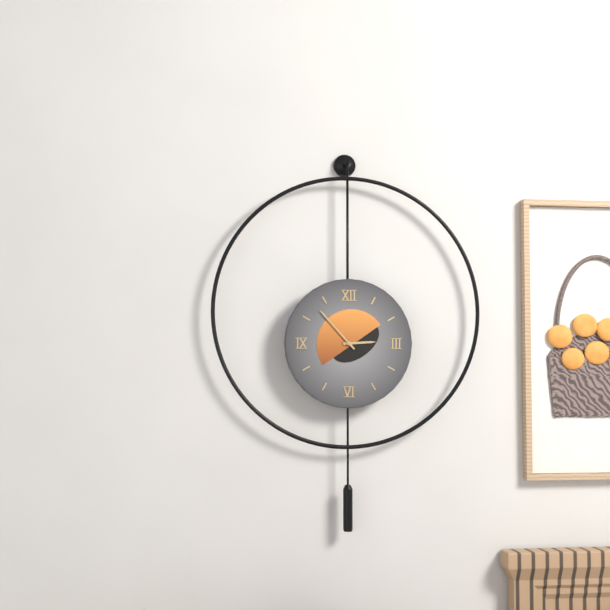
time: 2:53
